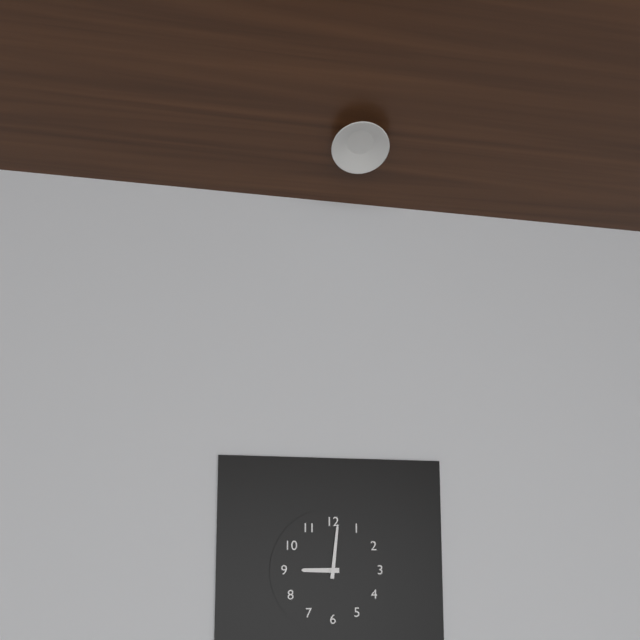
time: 9:01
